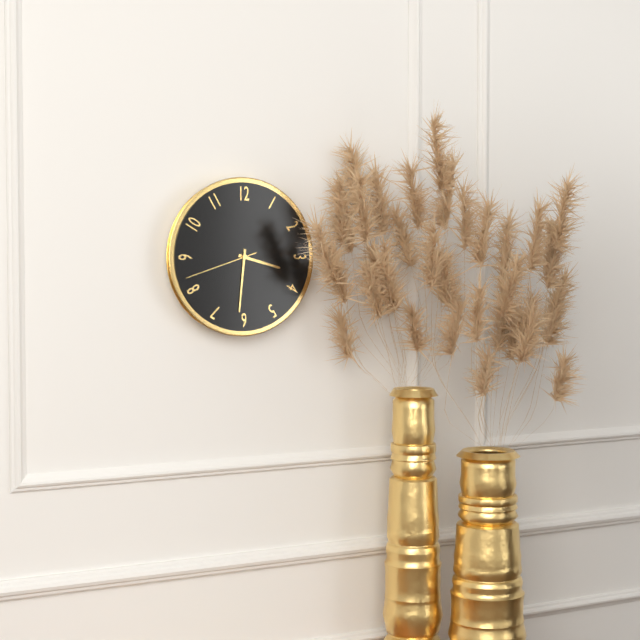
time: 3:31:42
